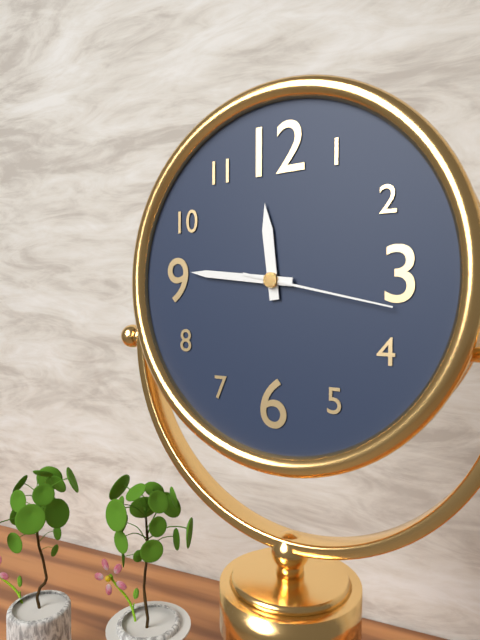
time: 11:46:17
